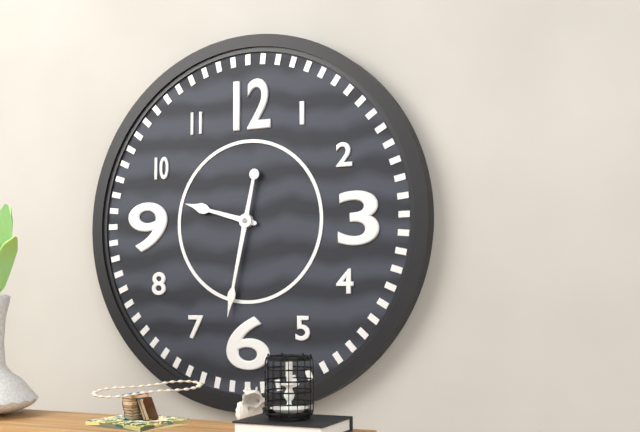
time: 9:32
